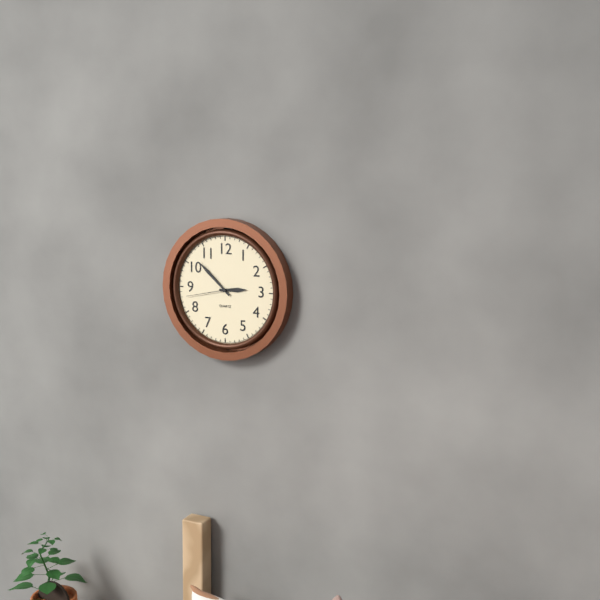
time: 2:52
